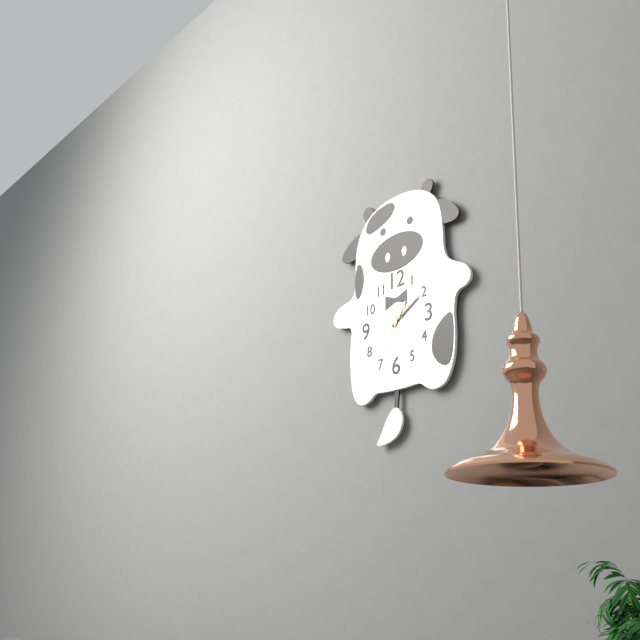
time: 1:10
